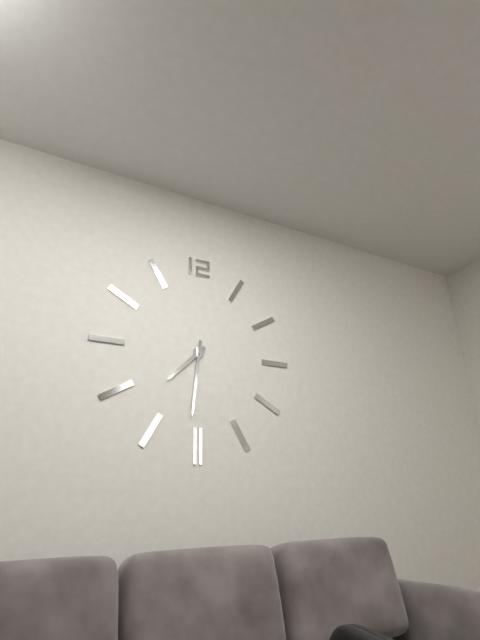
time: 7:31
